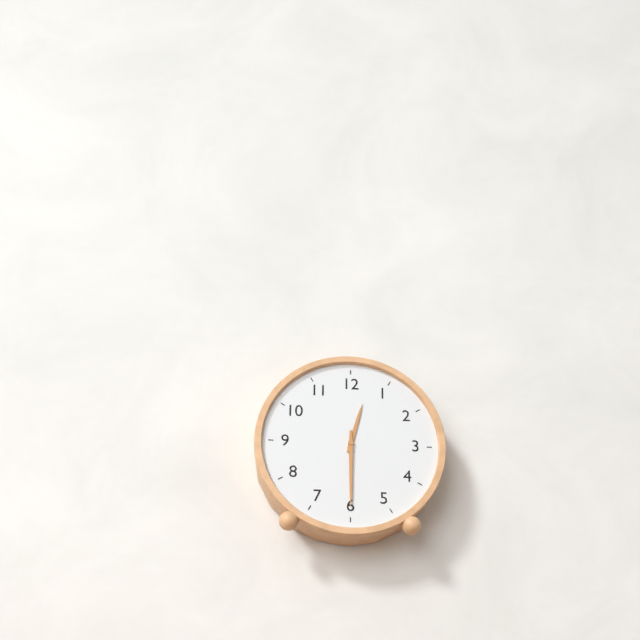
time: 12:30
